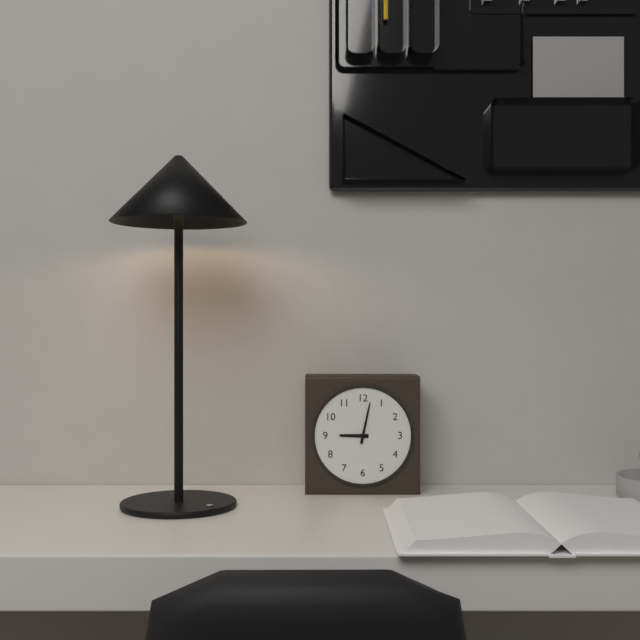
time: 9:02
